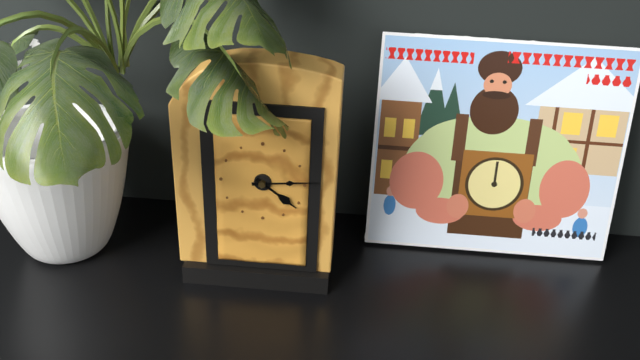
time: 4:14
